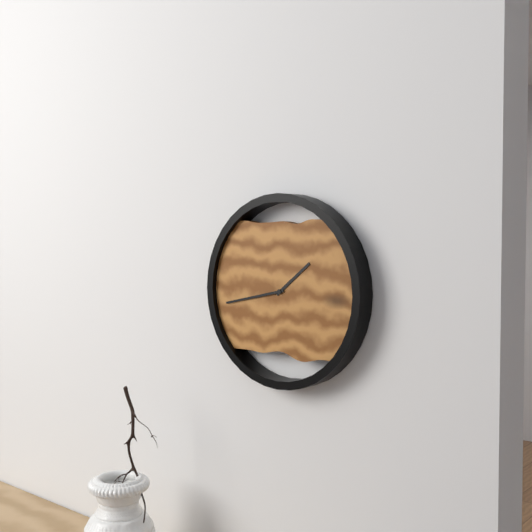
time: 1:43
